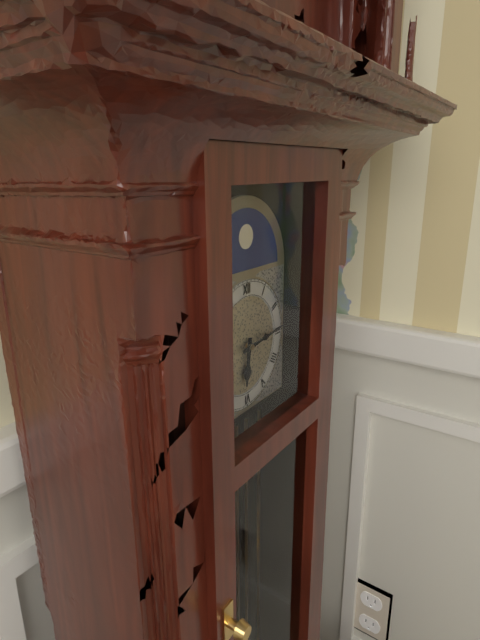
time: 6:14
